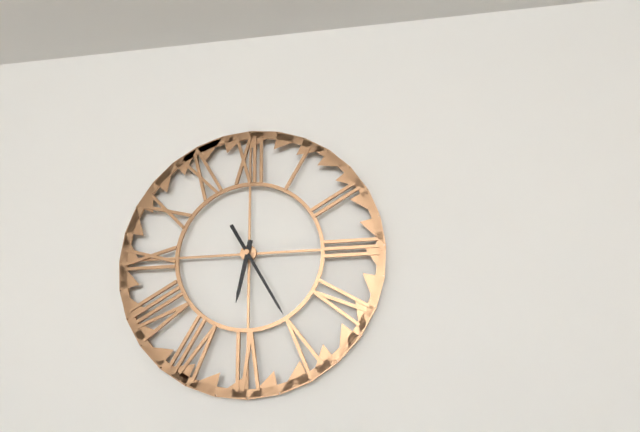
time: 6:25
